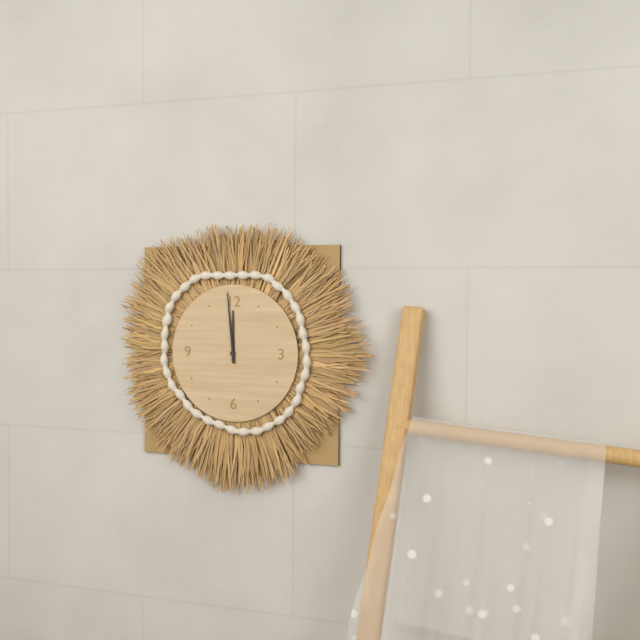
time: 11:59
